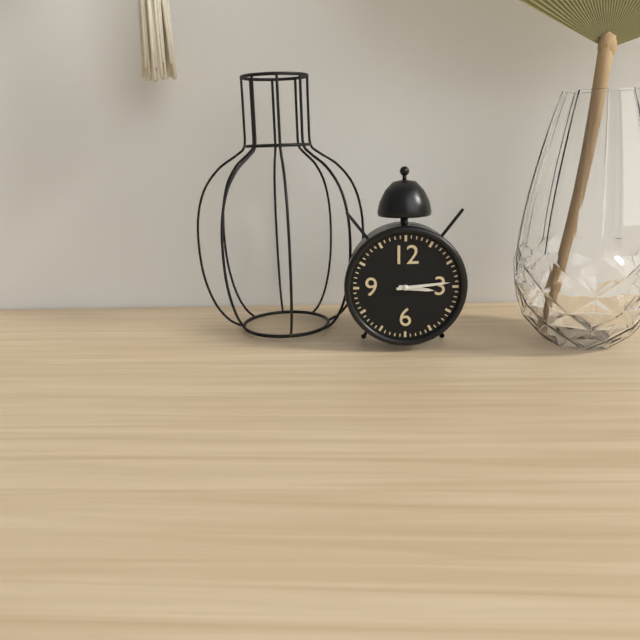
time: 3:14
